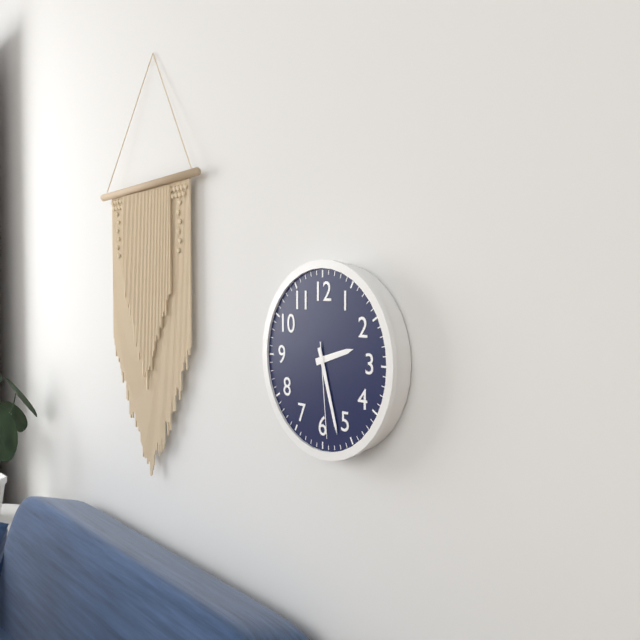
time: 2:27:29
